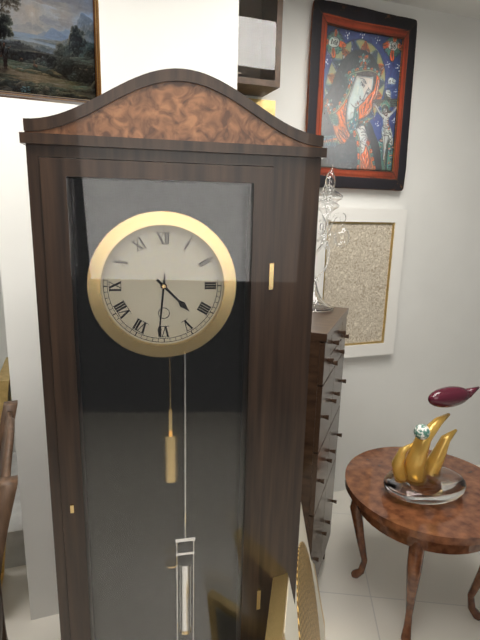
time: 4:31
